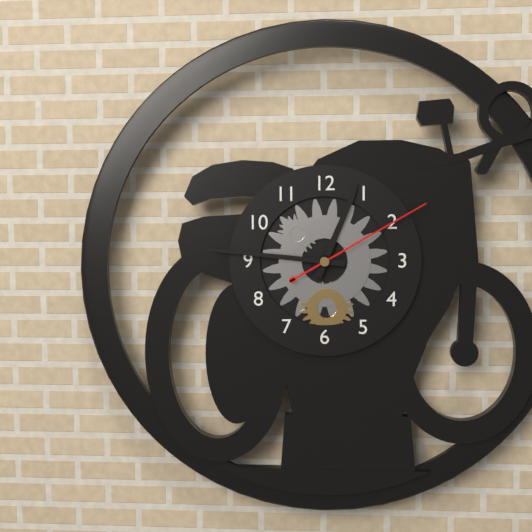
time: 12:46:10
